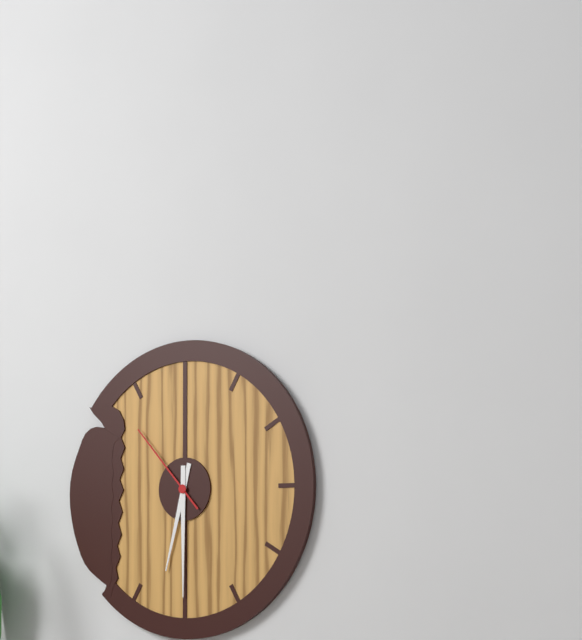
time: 6:30:53
